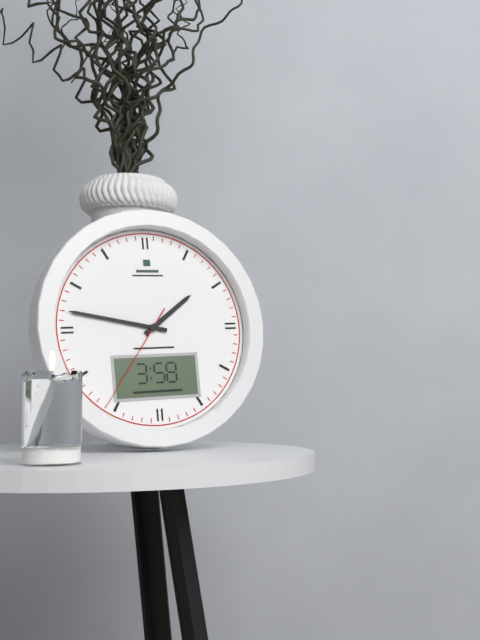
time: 1:47:36
